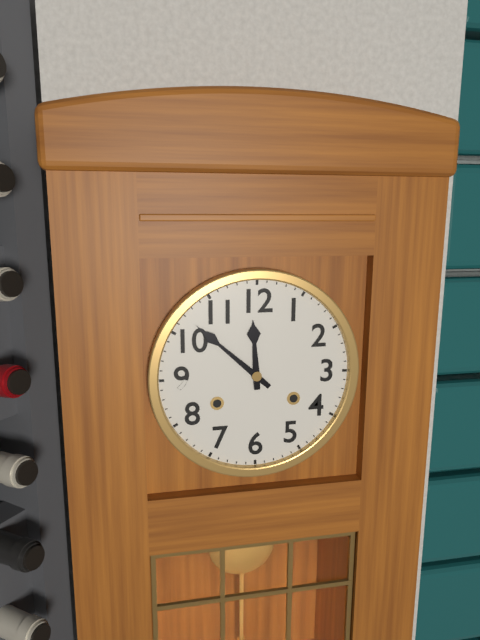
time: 11:52
